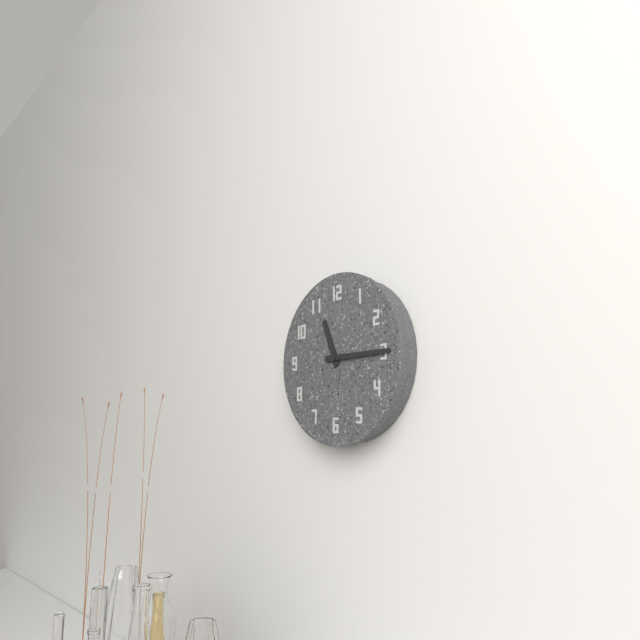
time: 11:15
